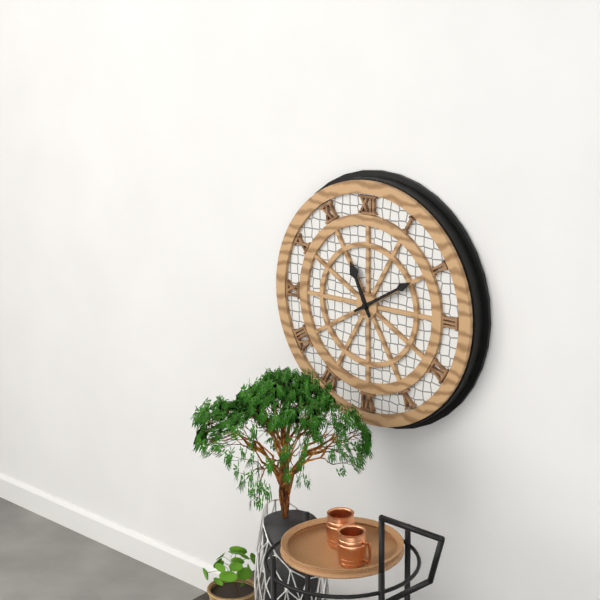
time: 11:10
